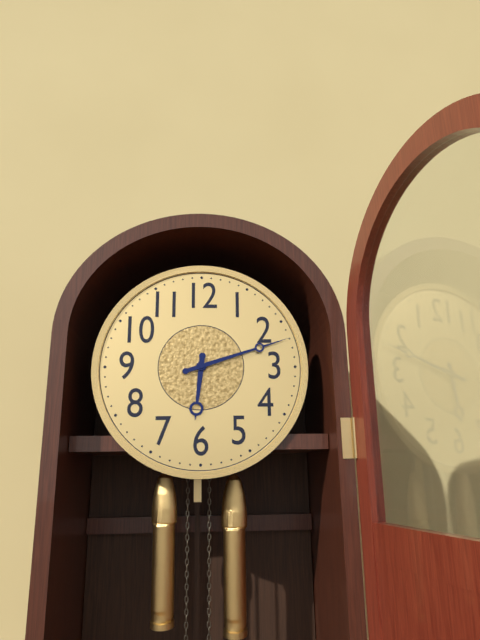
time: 6:12
